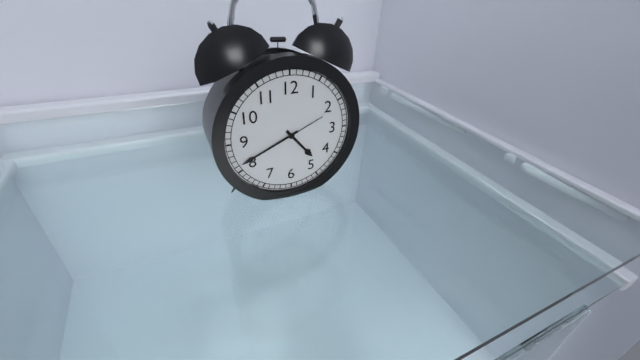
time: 4:41
